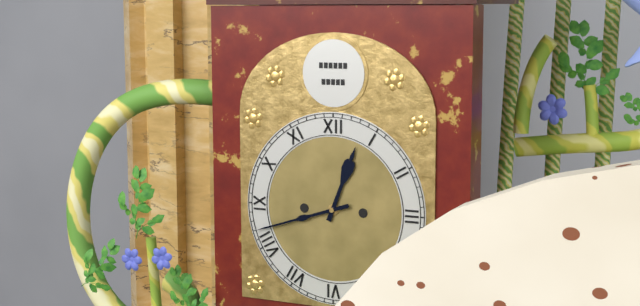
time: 12:42
